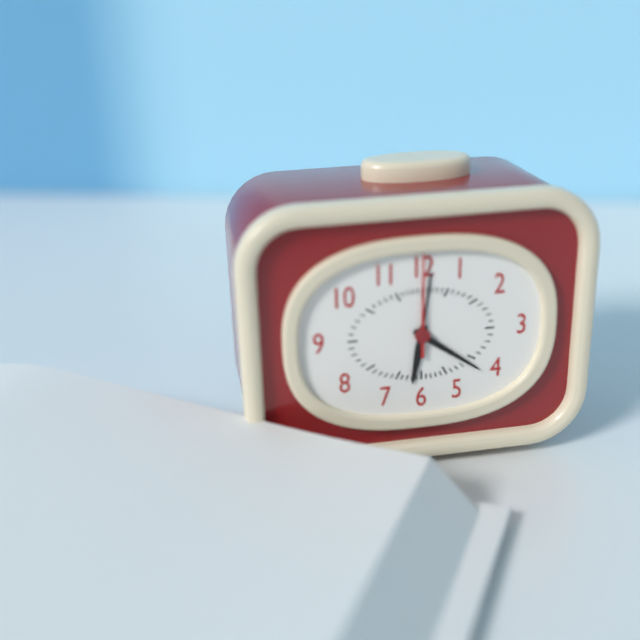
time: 6:21:00
